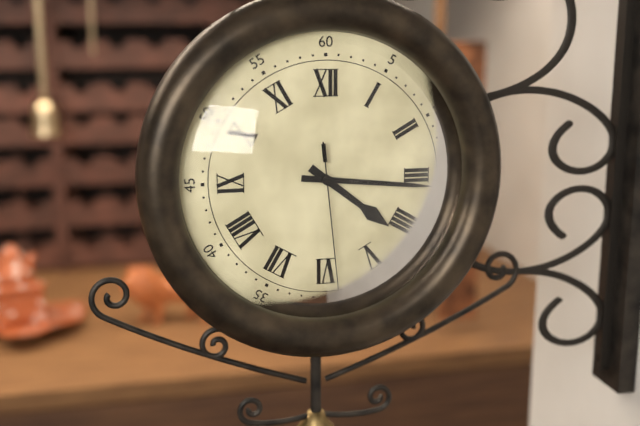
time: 4:16:29
